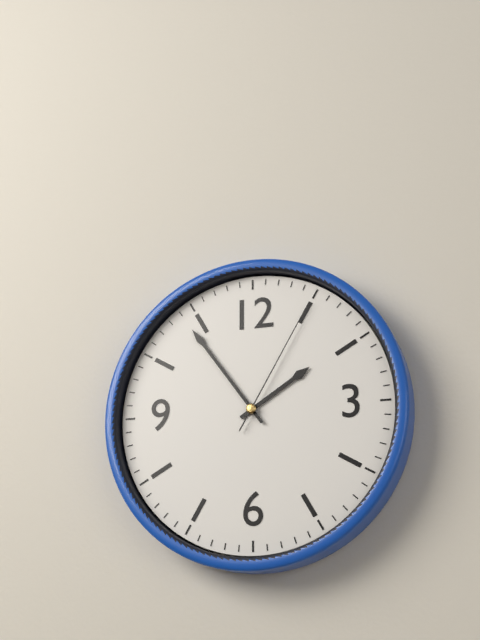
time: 1:54:05
